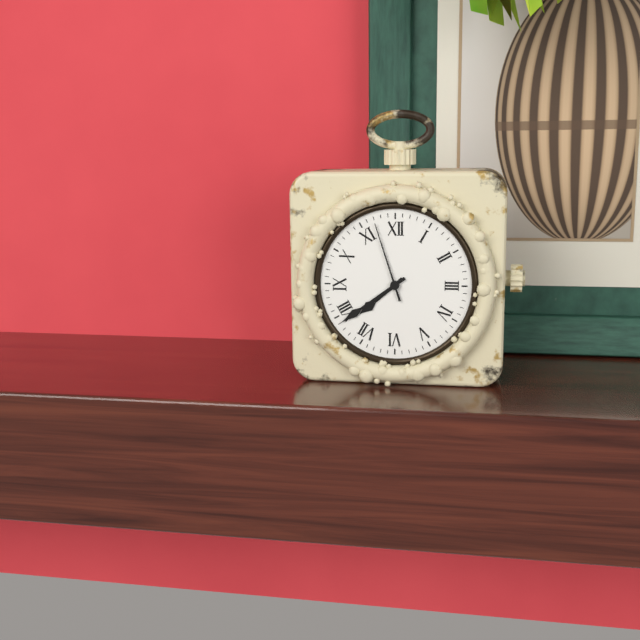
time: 7:39:57
